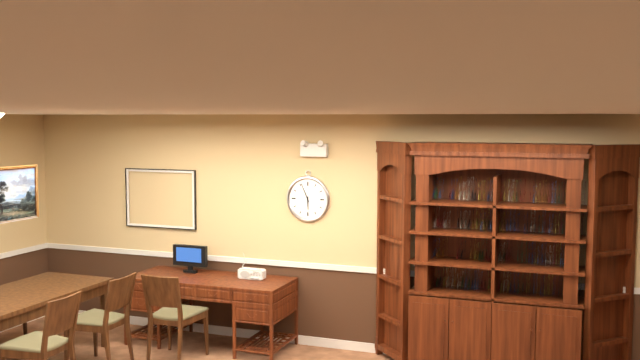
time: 5:56
